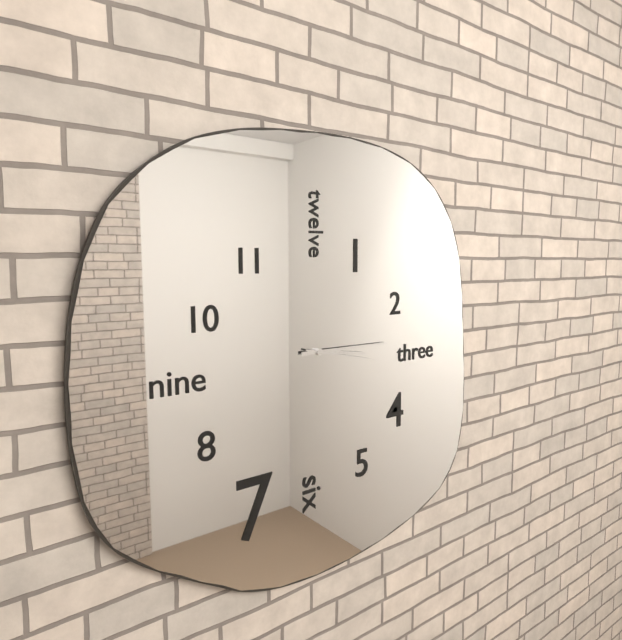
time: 3:15:17
